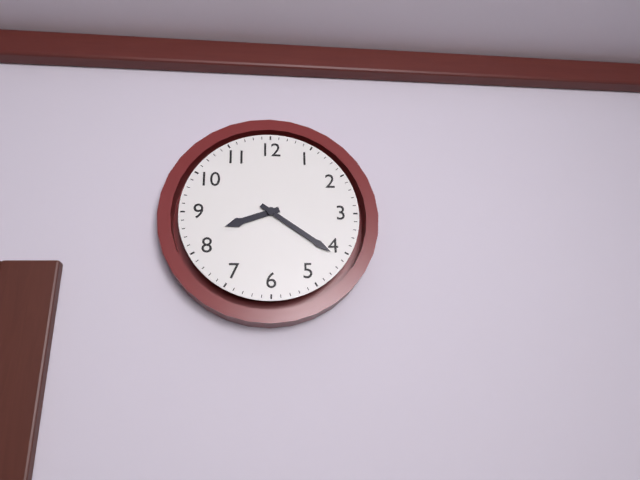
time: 8:21
